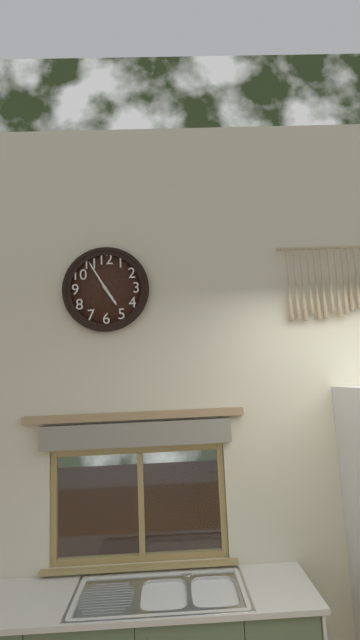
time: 4:55
